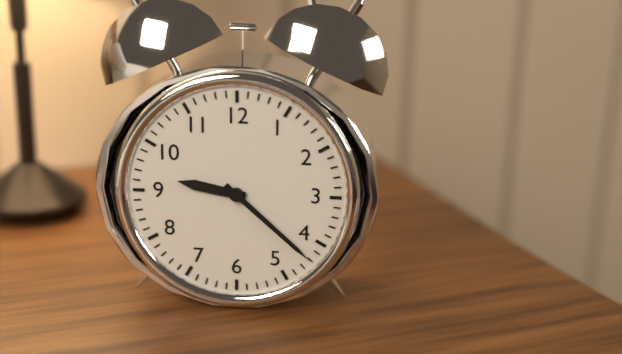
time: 9:22
